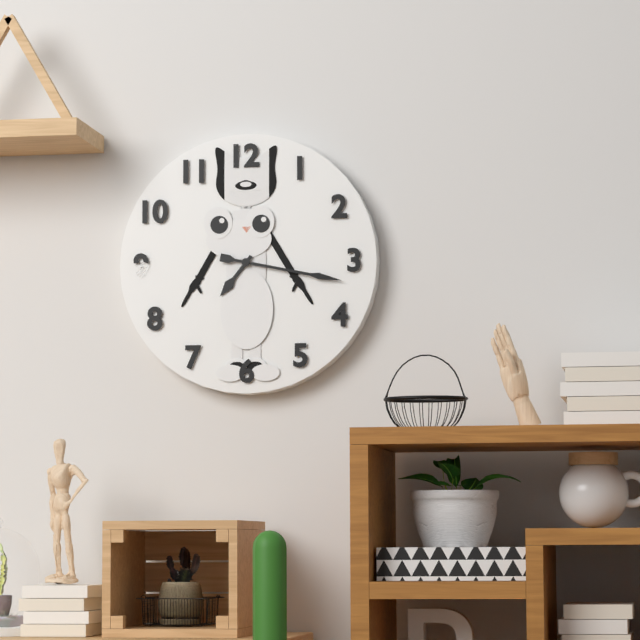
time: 7:17
